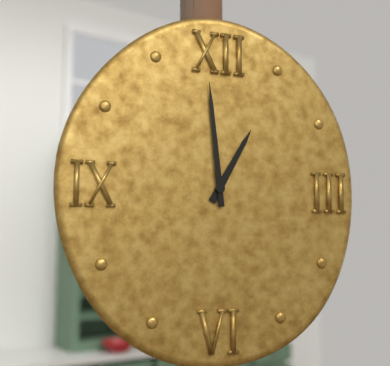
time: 12:59
